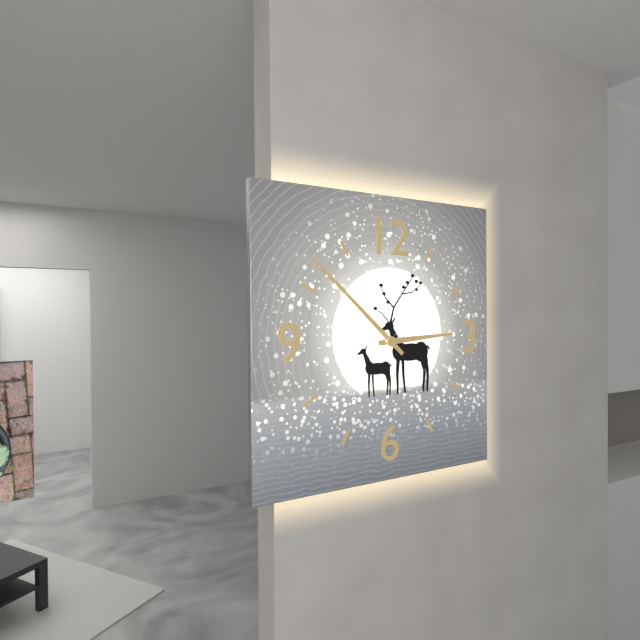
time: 2:52
